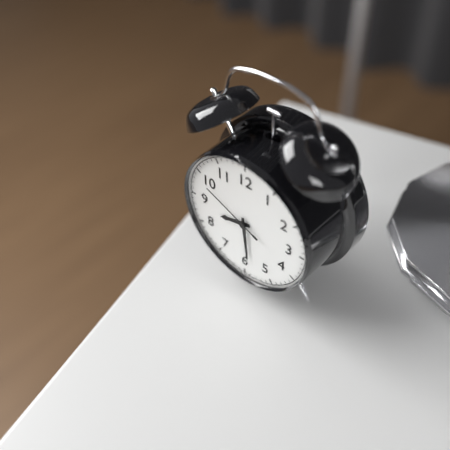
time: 8:29:49
